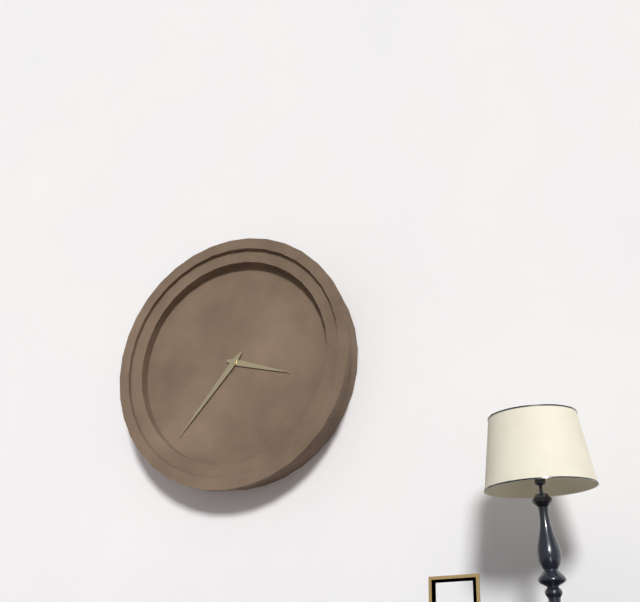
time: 3:37
